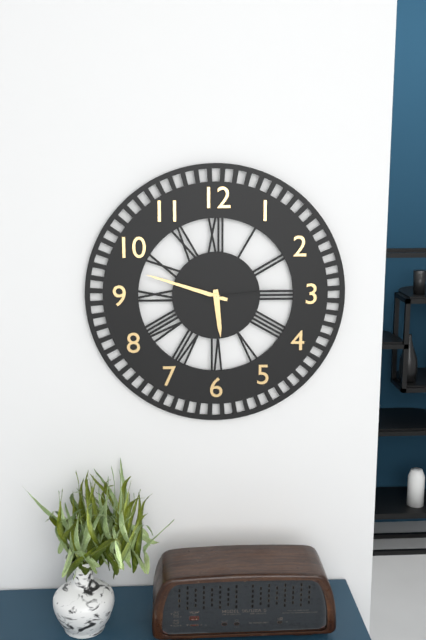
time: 5:48:14
